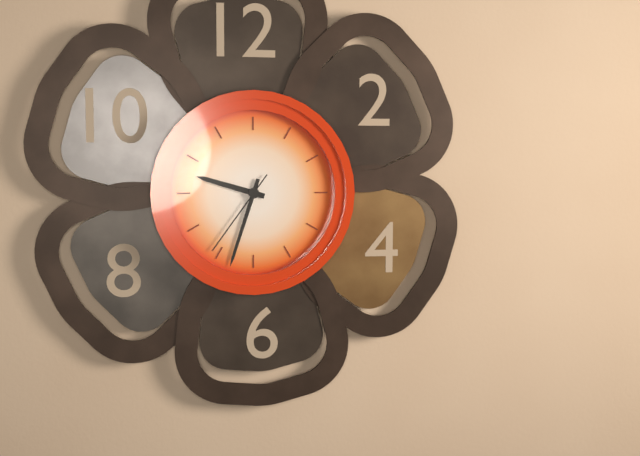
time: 9:33:36
